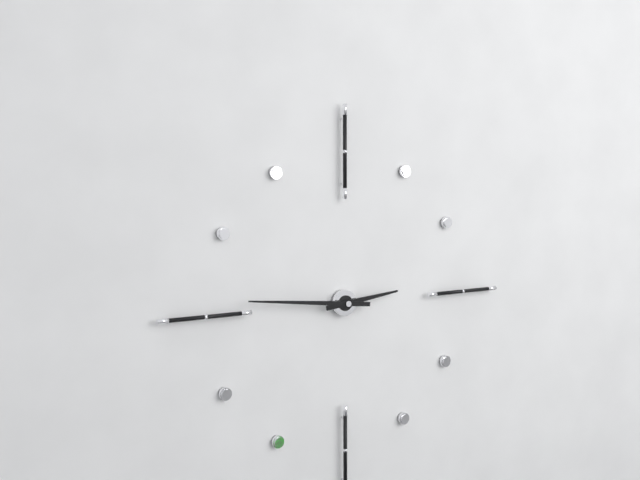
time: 2:46
